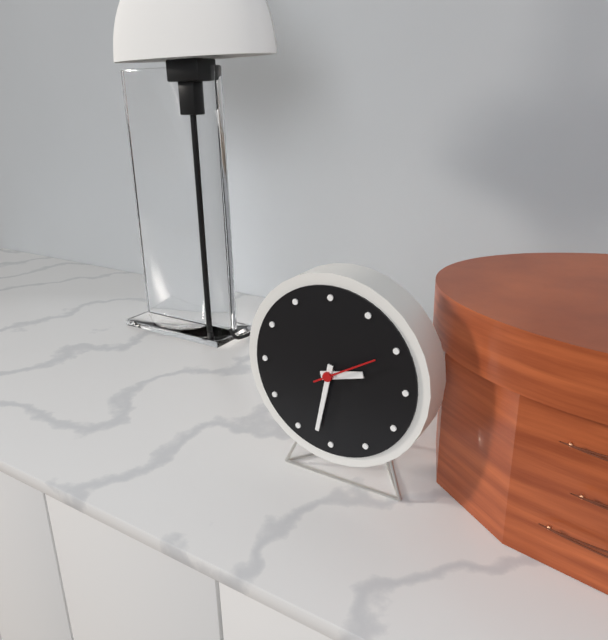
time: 2:32:10
